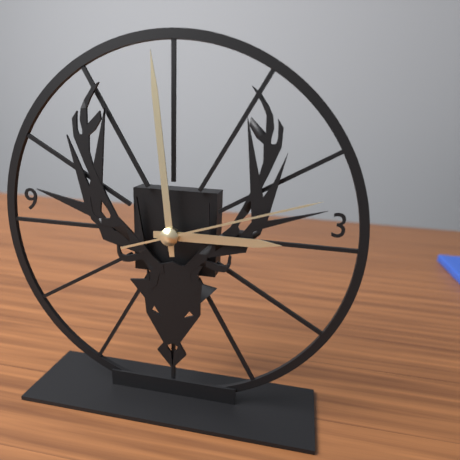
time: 2:59:12
